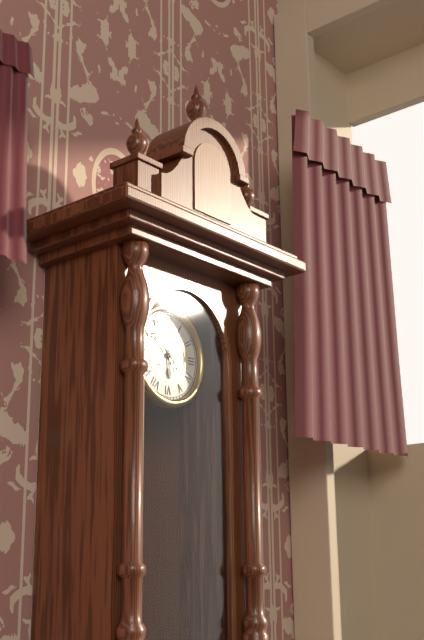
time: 5:52
